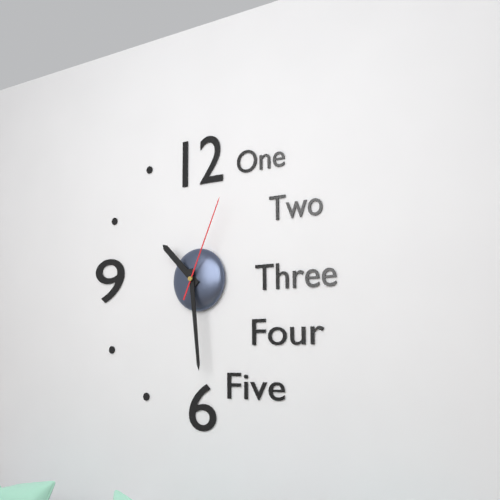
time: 10:29:04
